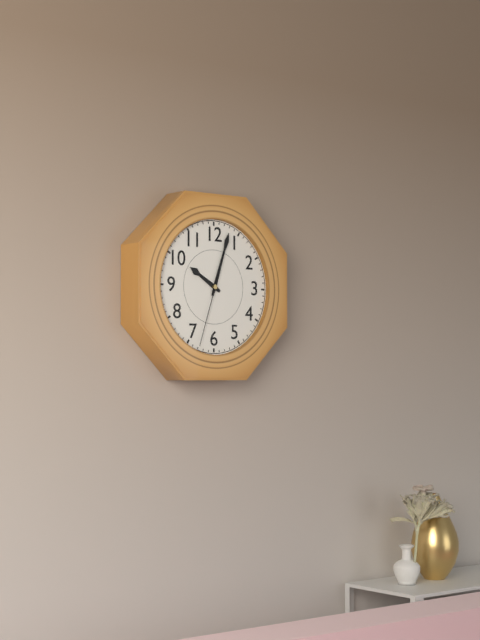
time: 10:03:33
